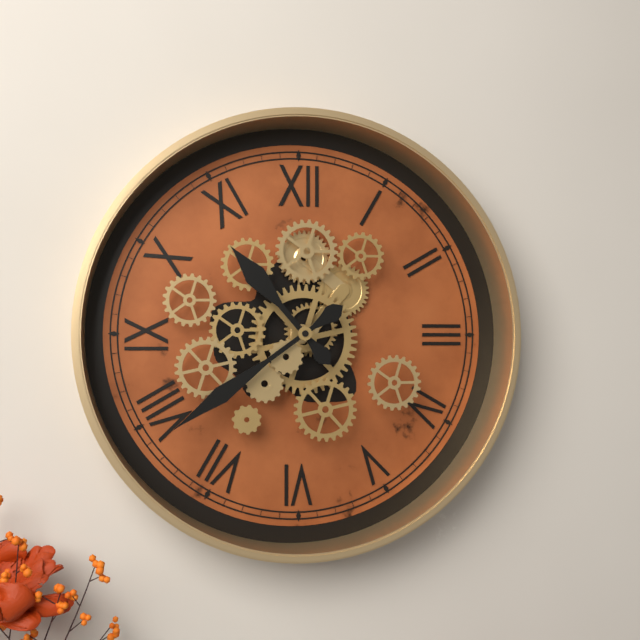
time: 10:39
